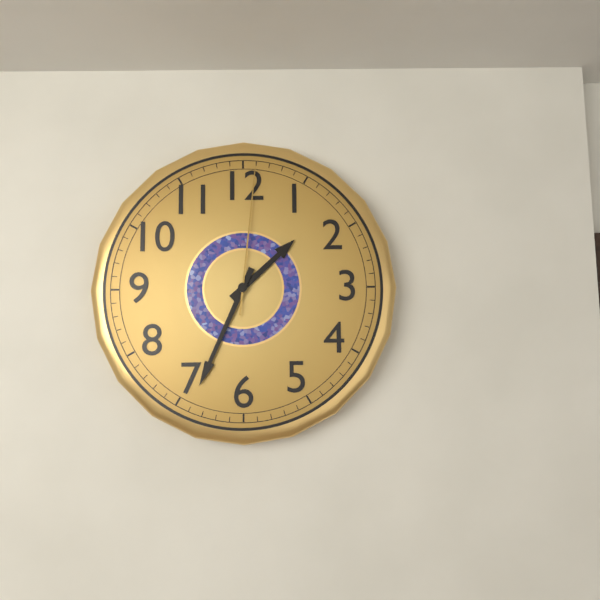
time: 1:34:01
